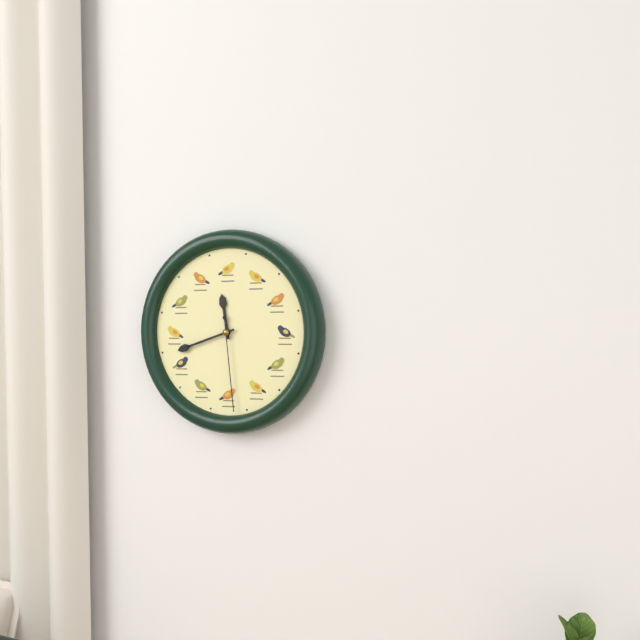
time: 11:42:29
